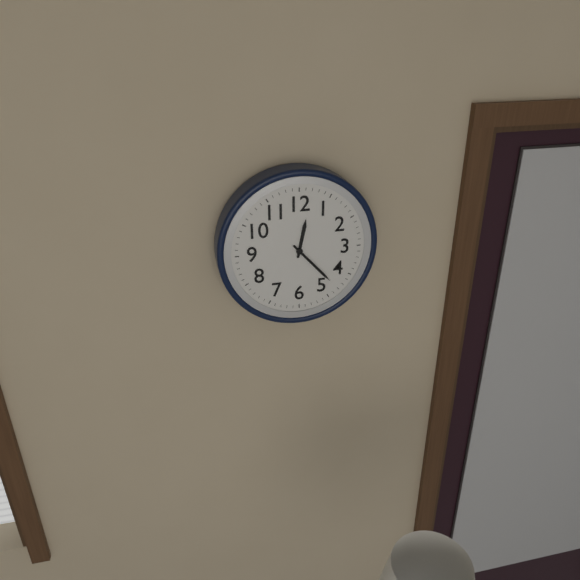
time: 12:23
